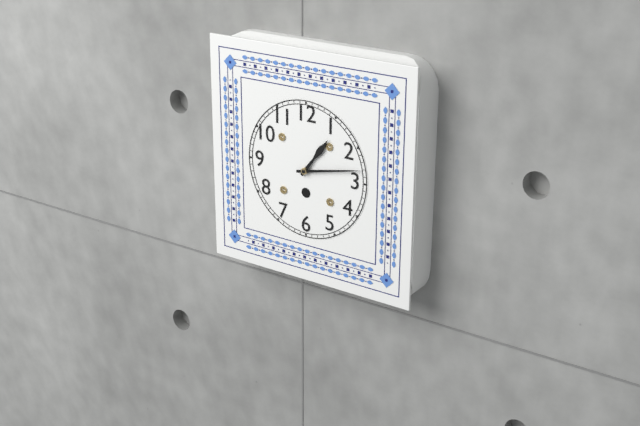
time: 1:13
